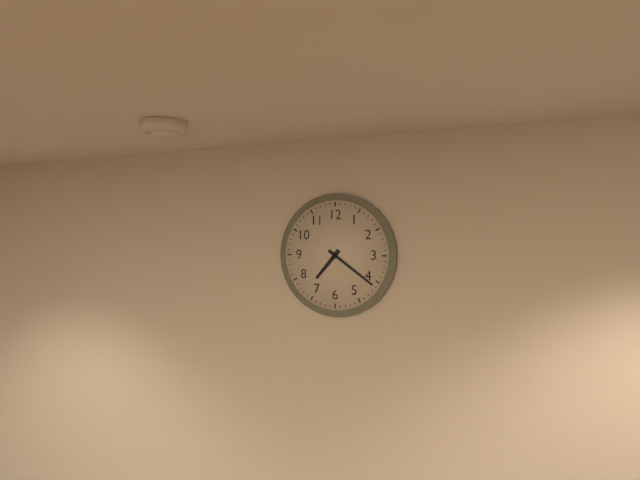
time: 7:21
